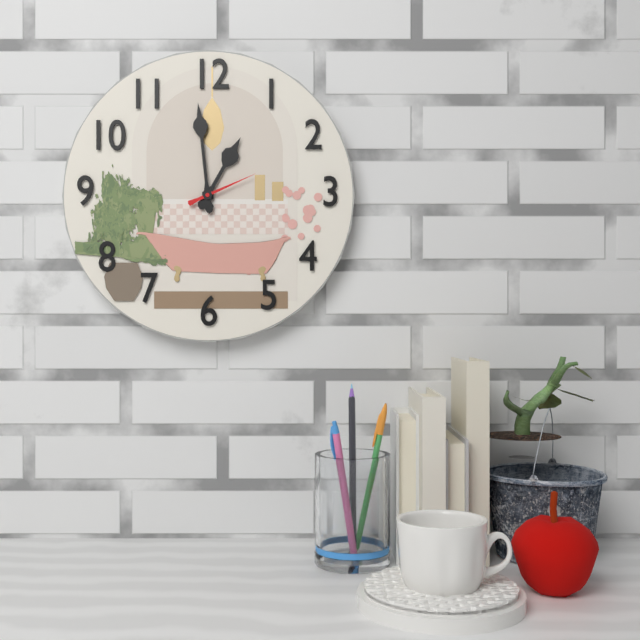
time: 12:59:11
